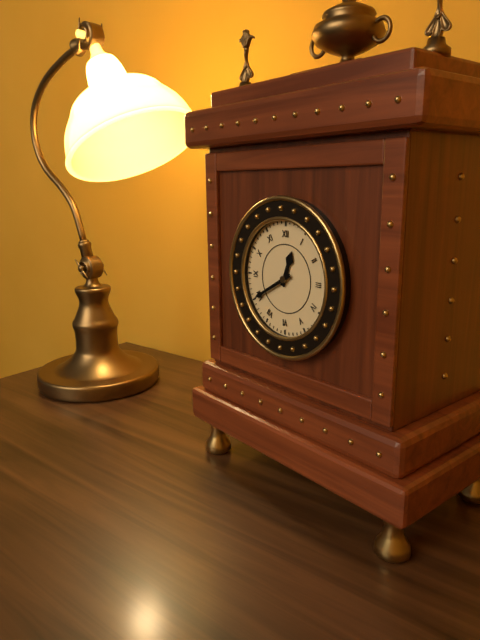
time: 12:40
